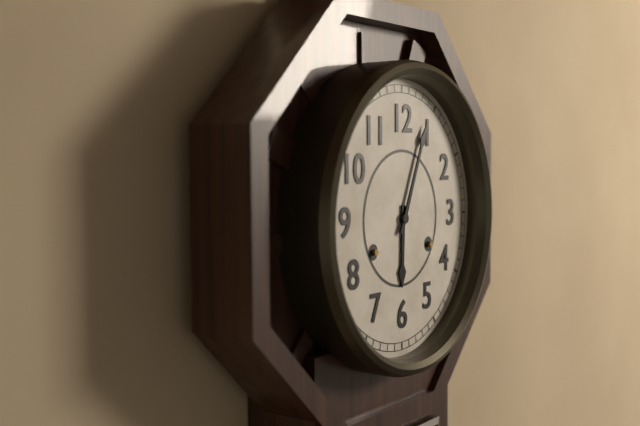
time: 6:04
